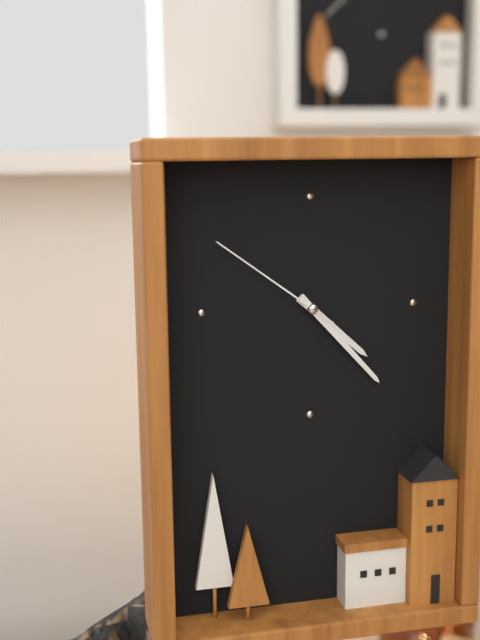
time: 4:23:51
